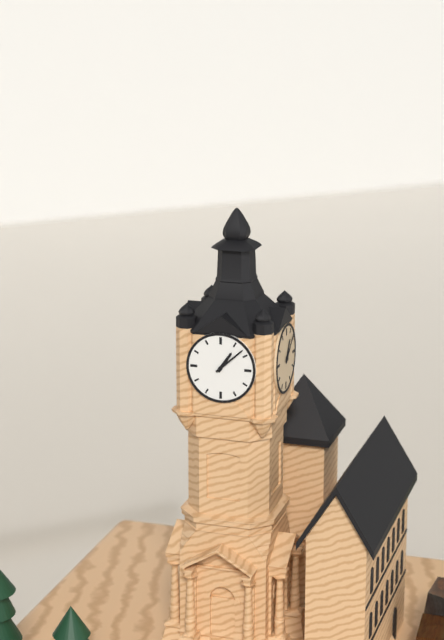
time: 1:08
